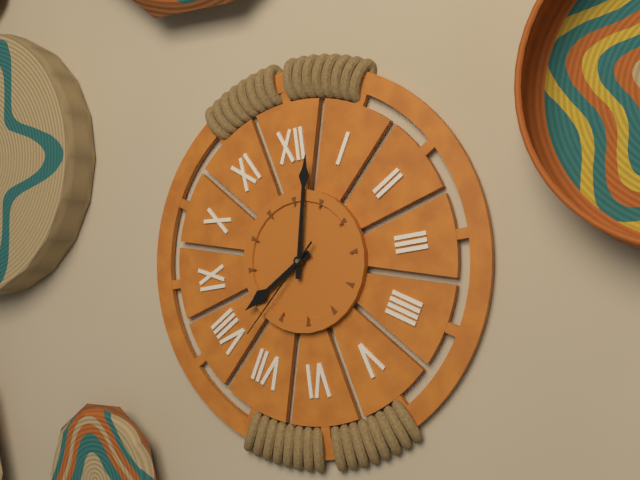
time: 8:02:38
